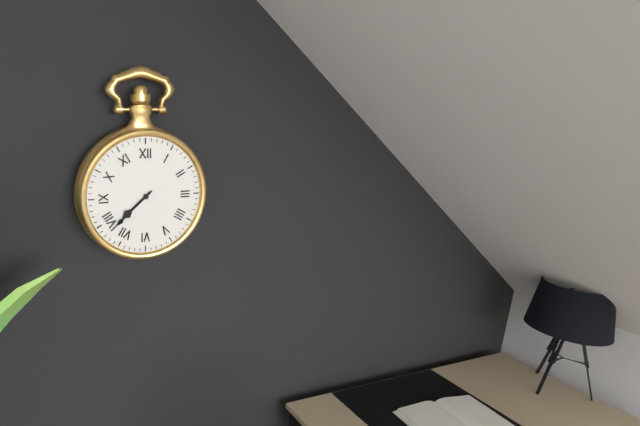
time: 7:38
